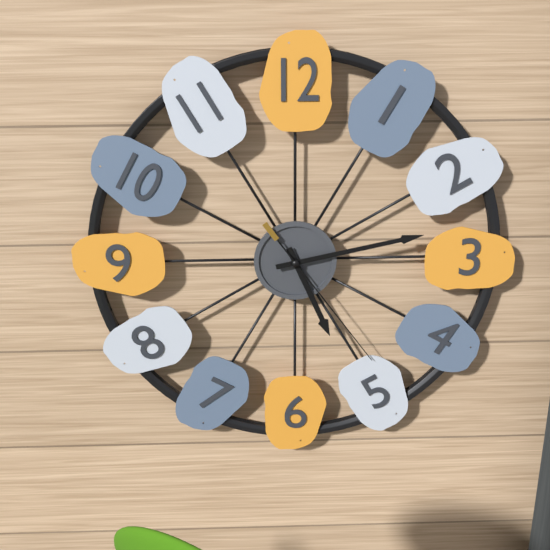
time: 5:13:24
